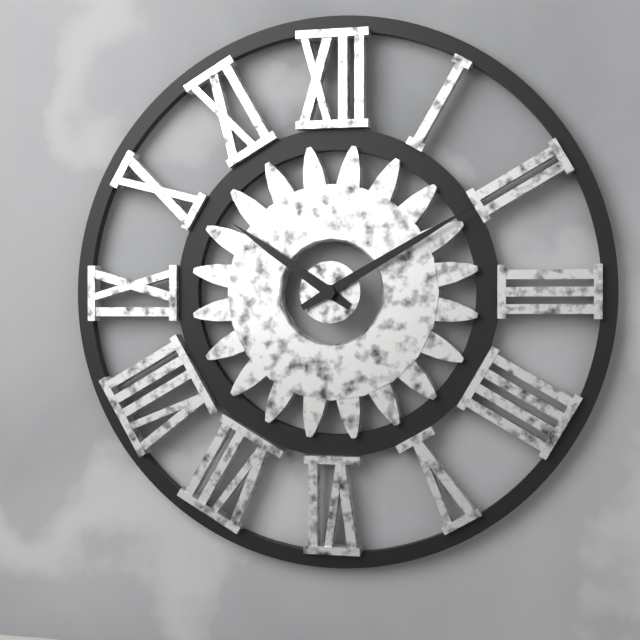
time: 10:10
